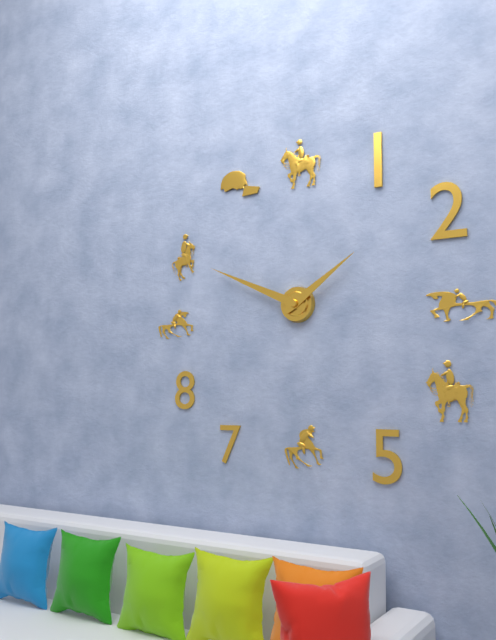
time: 1:49
